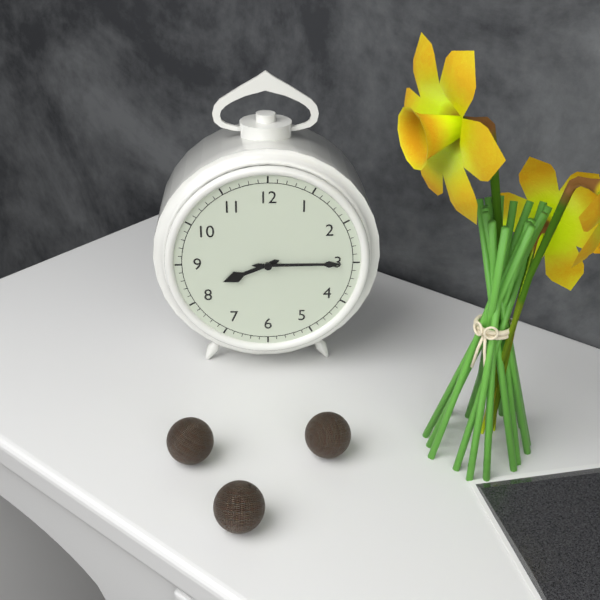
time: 8:15
